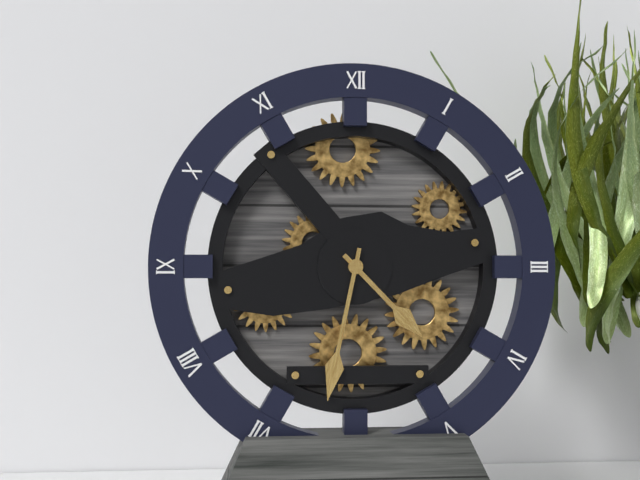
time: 4:32
